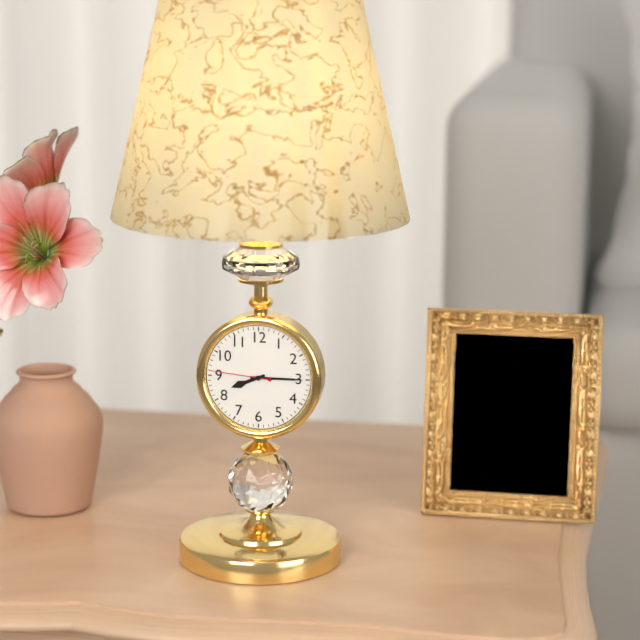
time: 8:15:46
